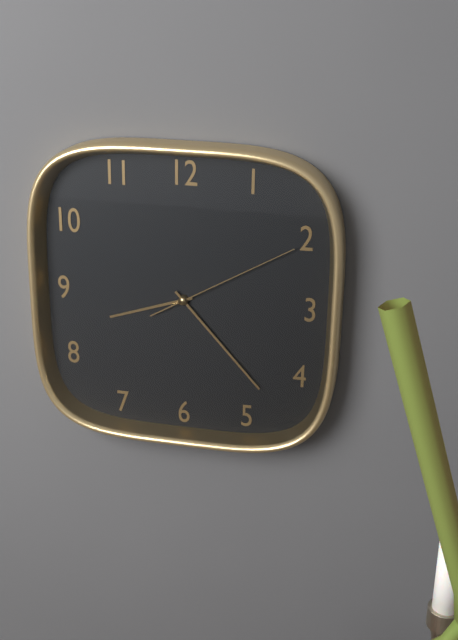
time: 8:23:10
